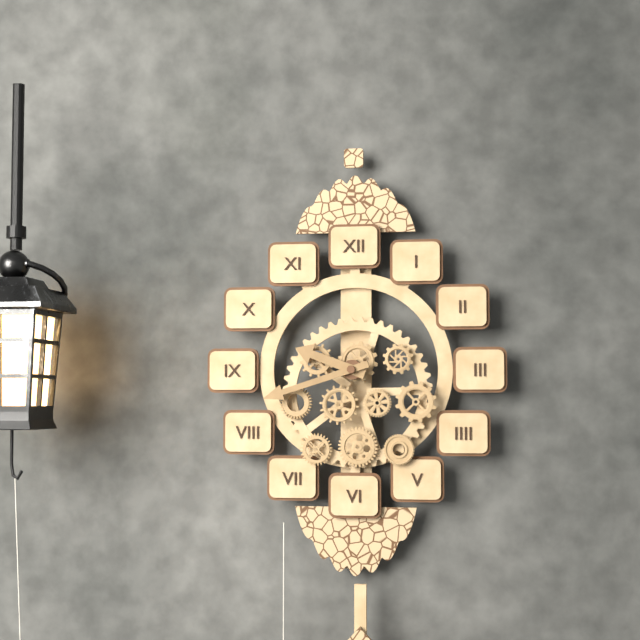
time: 9:42
